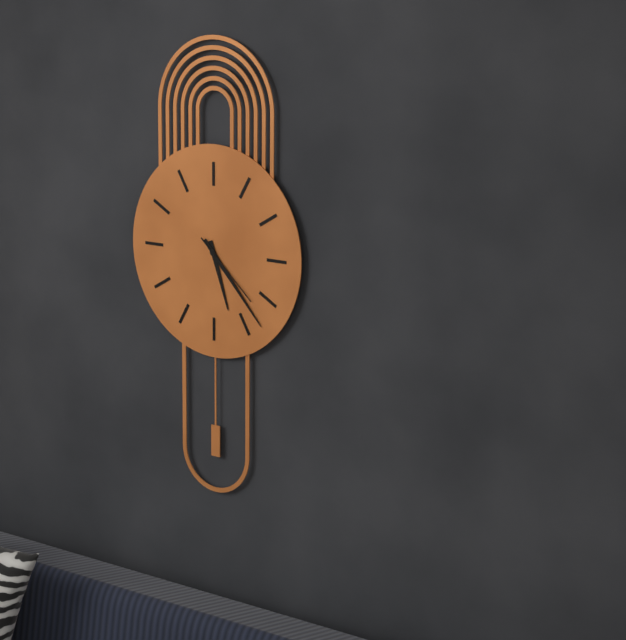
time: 5:23:22
